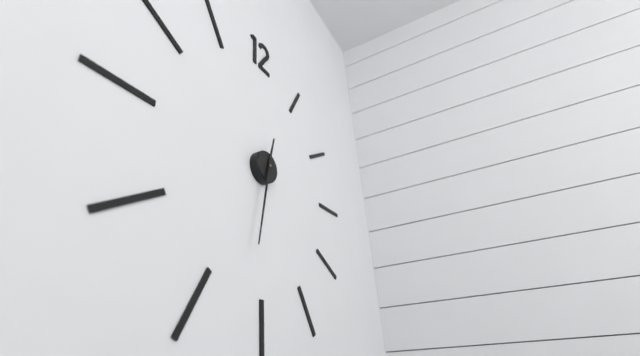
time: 12:32
